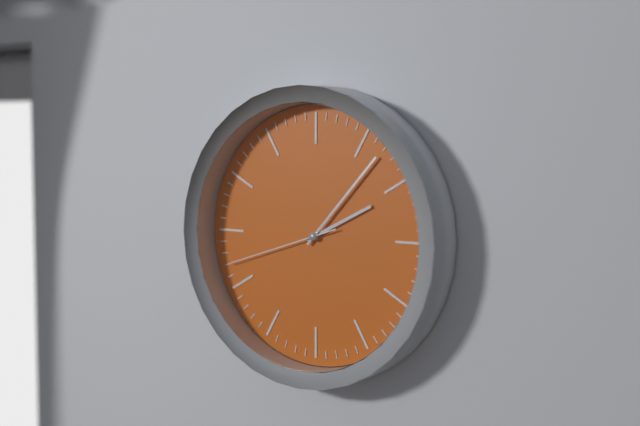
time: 2:07:42
